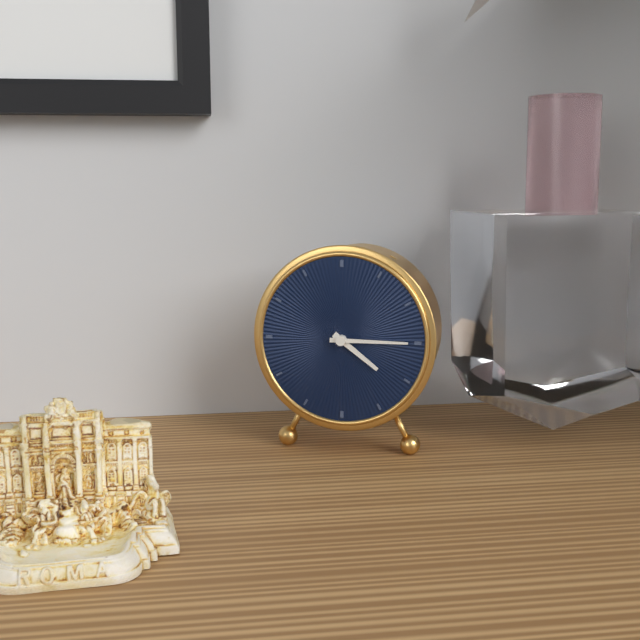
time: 4:15
